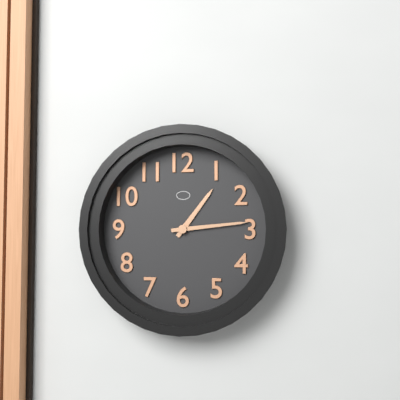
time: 1:14
